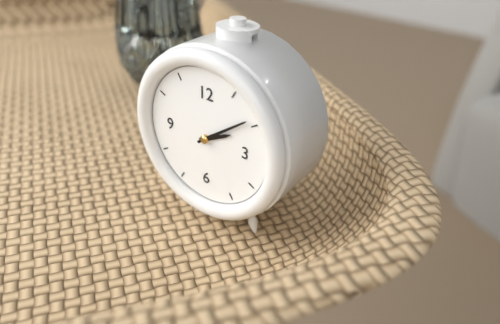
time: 2:09
